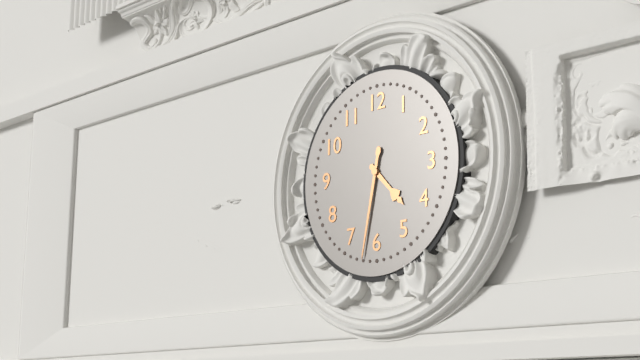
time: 4:32
